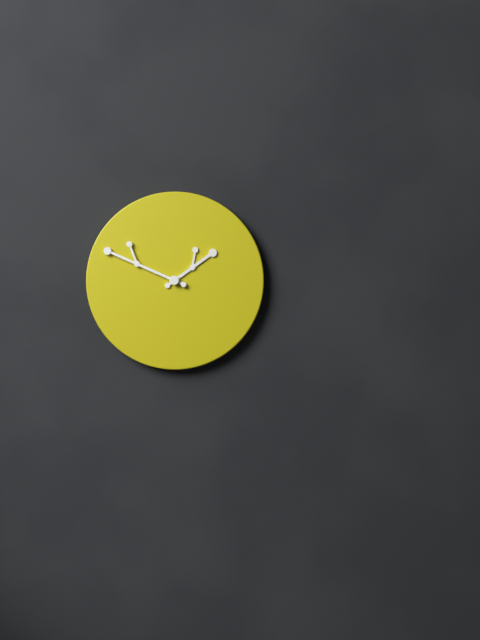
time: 1:49
